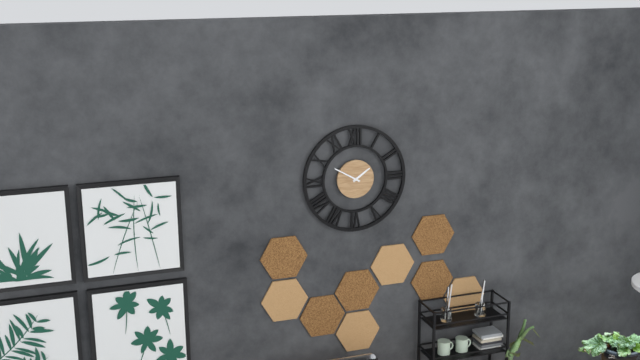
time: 1:50
